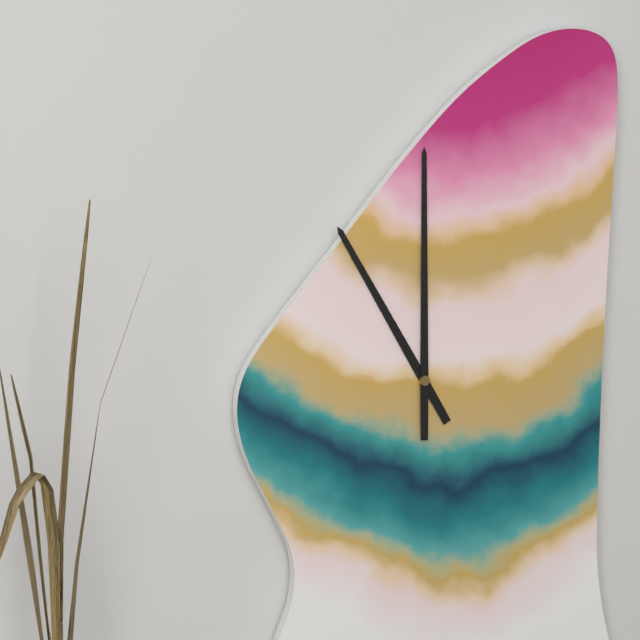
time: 11:00
